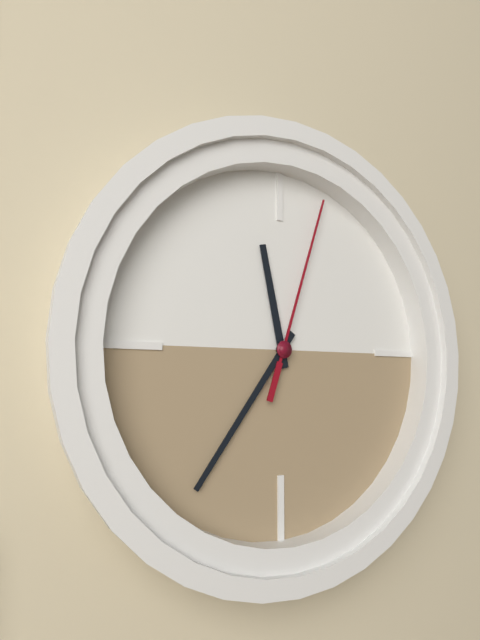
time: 11:36:03
